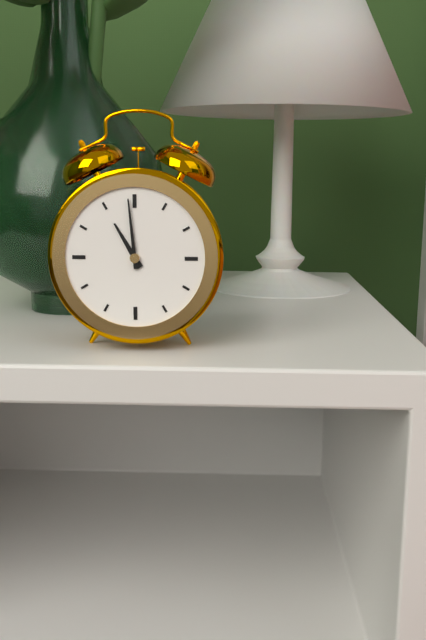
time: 10:59
